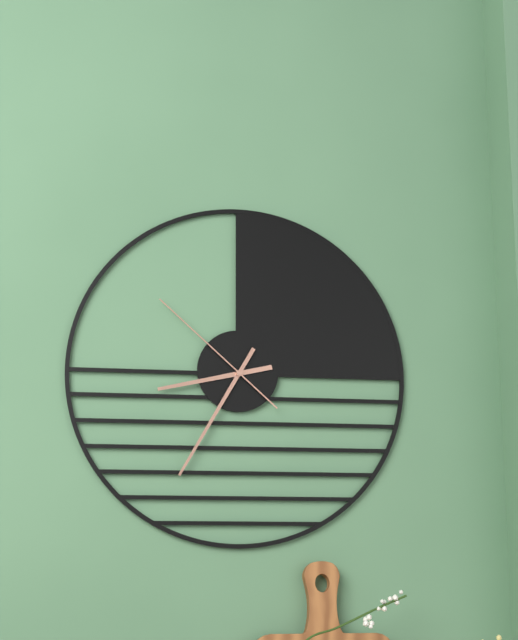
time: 8:35:52
